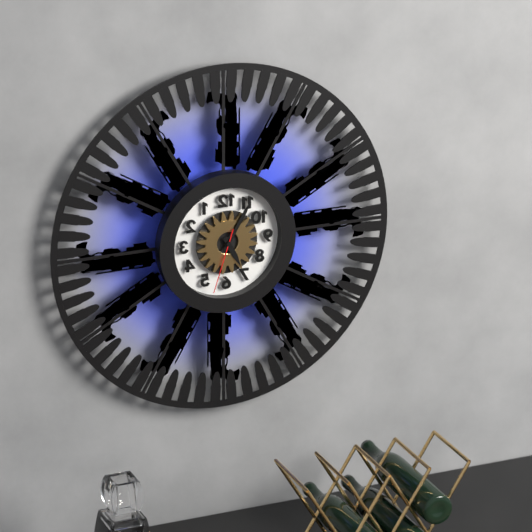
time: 5:05:33
